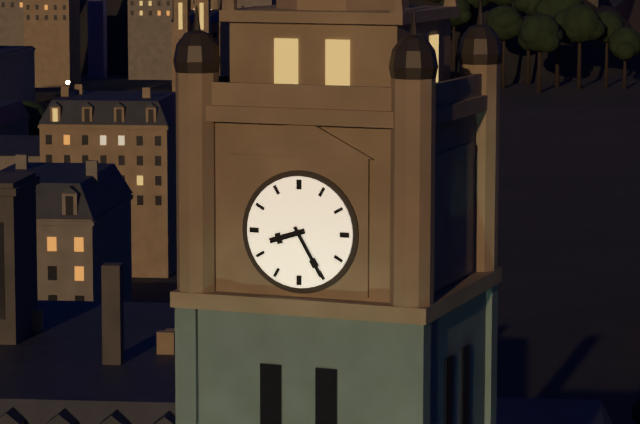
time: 8:25
